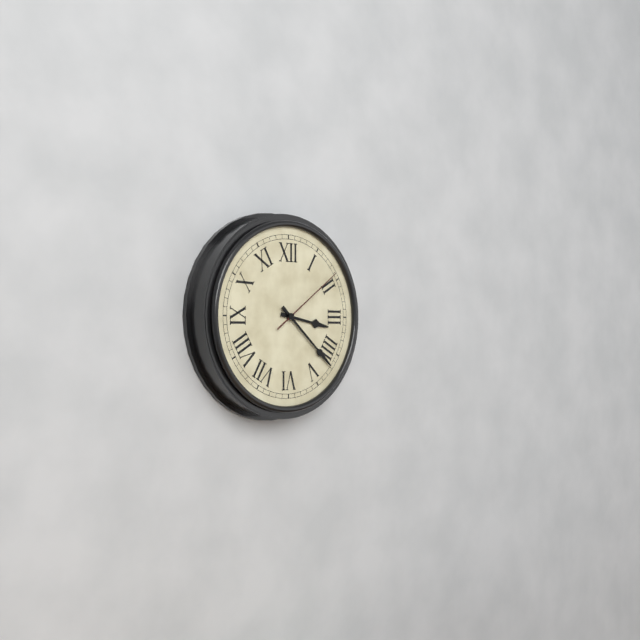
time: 3:22:09
